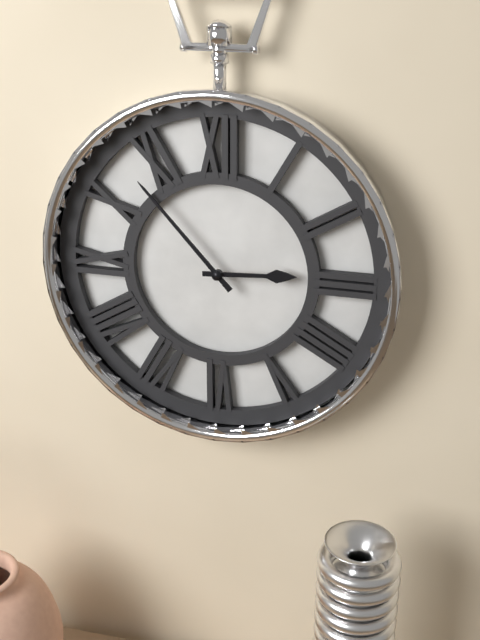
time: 2:53
